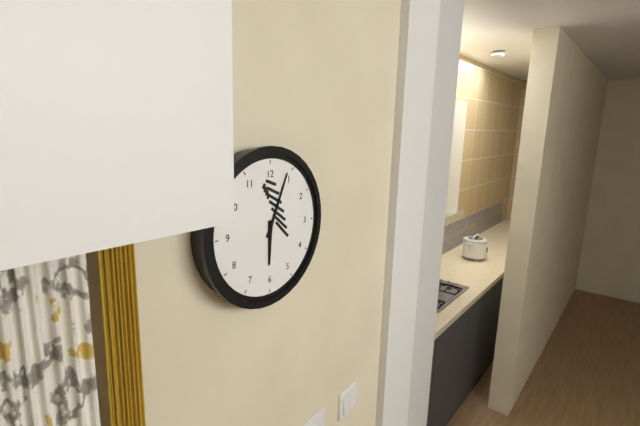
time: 6:04
